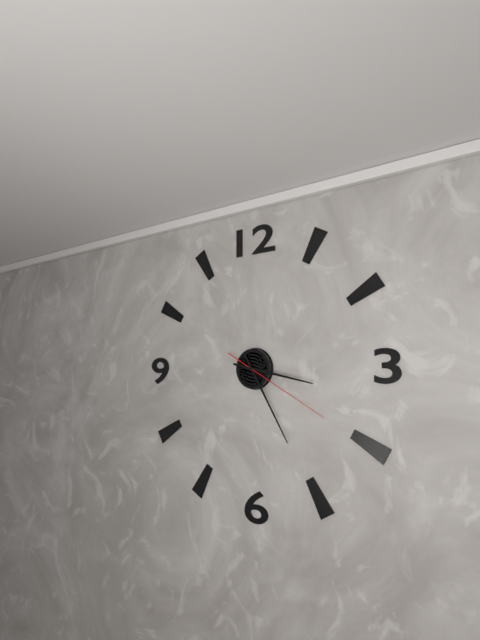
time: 3:25:20
